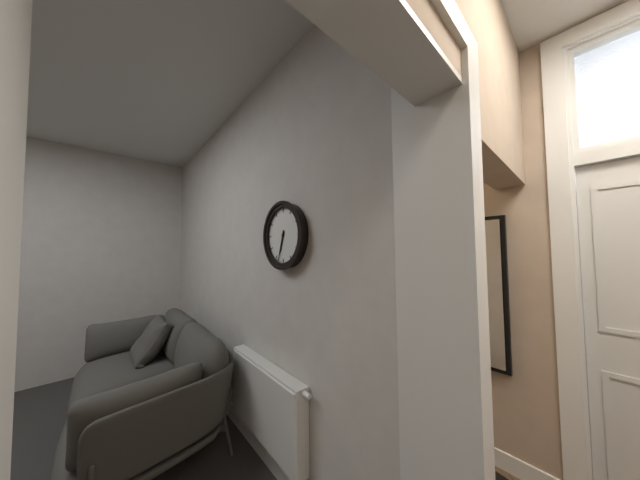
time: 6:33
